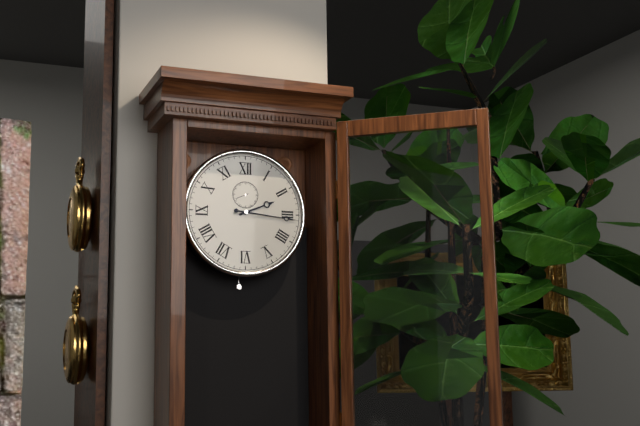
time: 2:16
